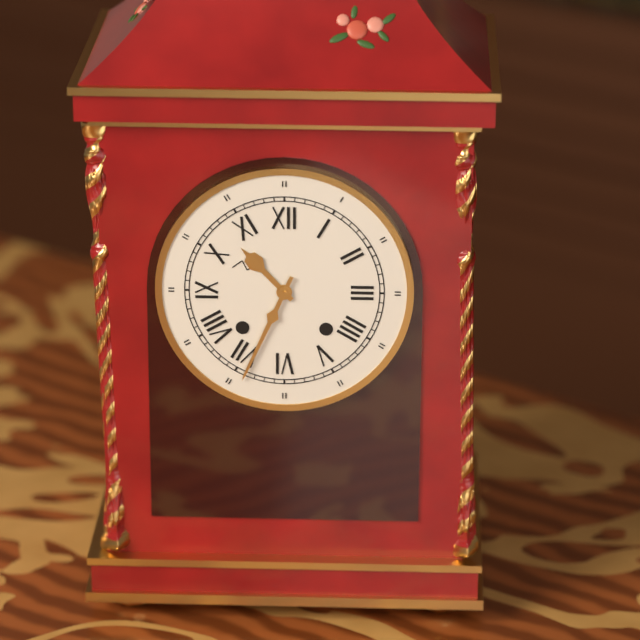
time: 10:34
